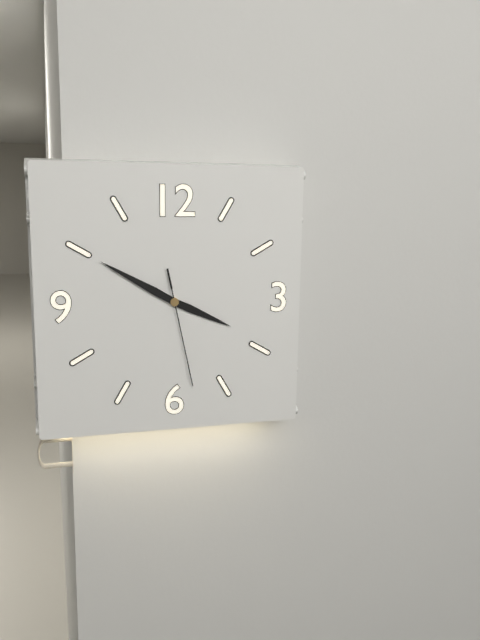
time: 3:50:28
